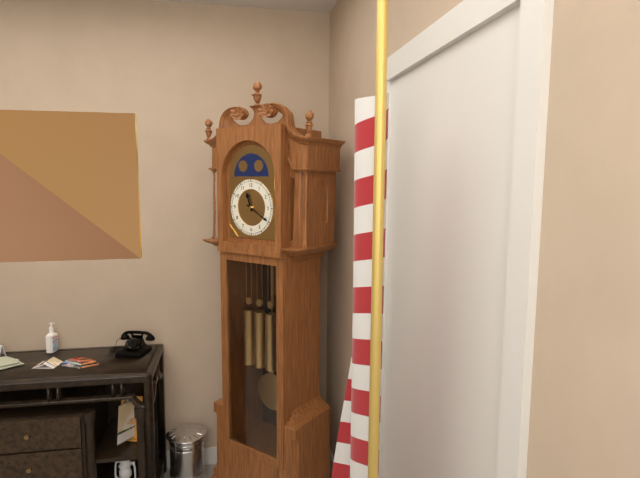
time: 11:20
